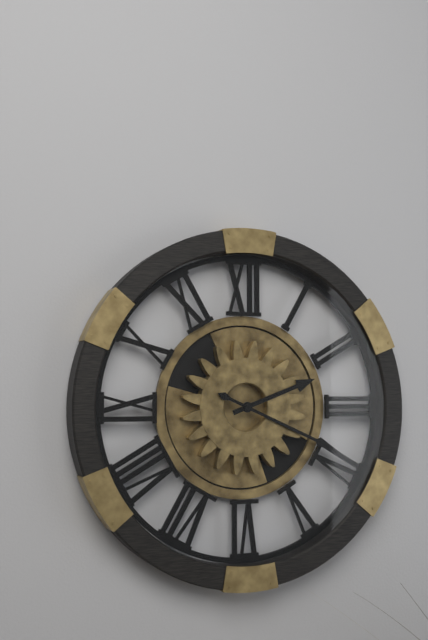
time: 2:19
